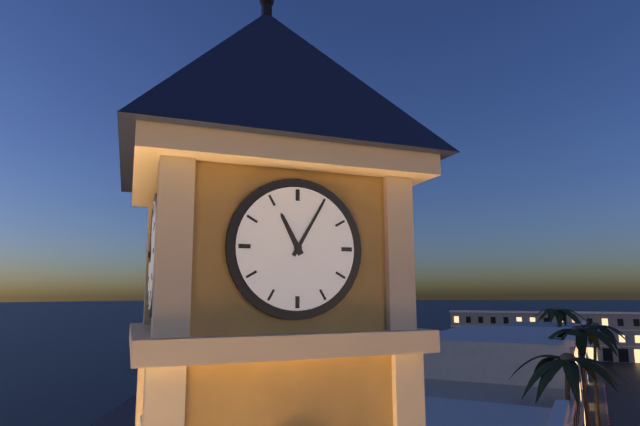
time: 11:05
